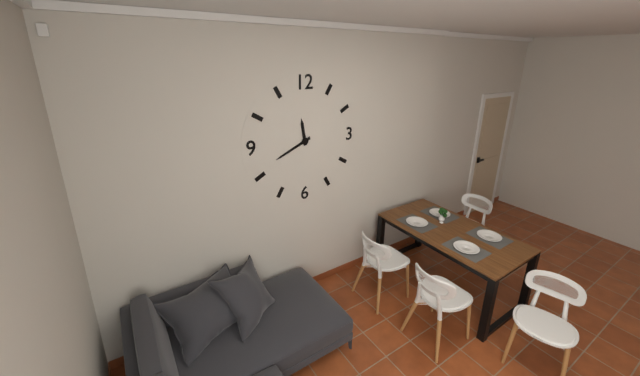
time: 11:41
